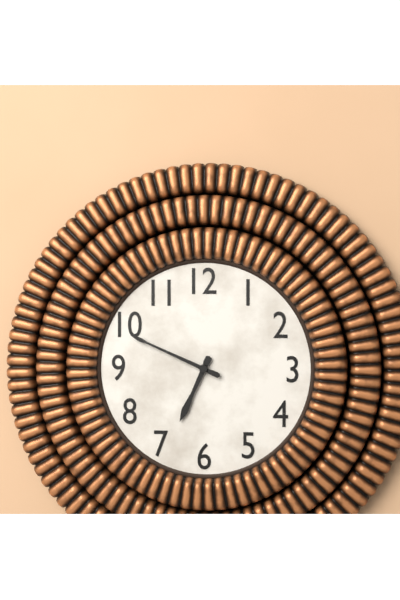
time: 6:49
